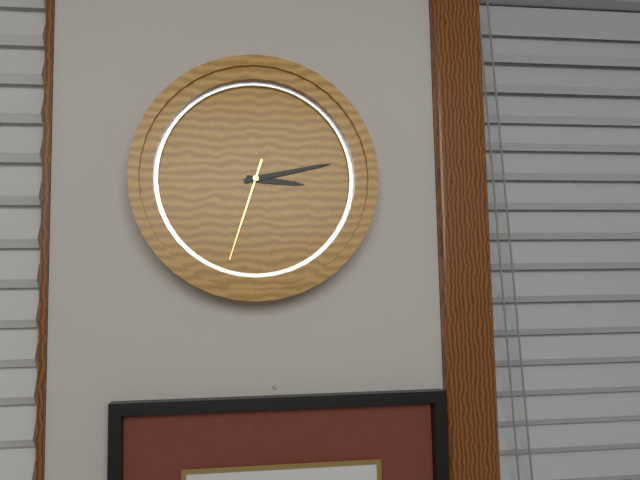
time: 3:13:33
